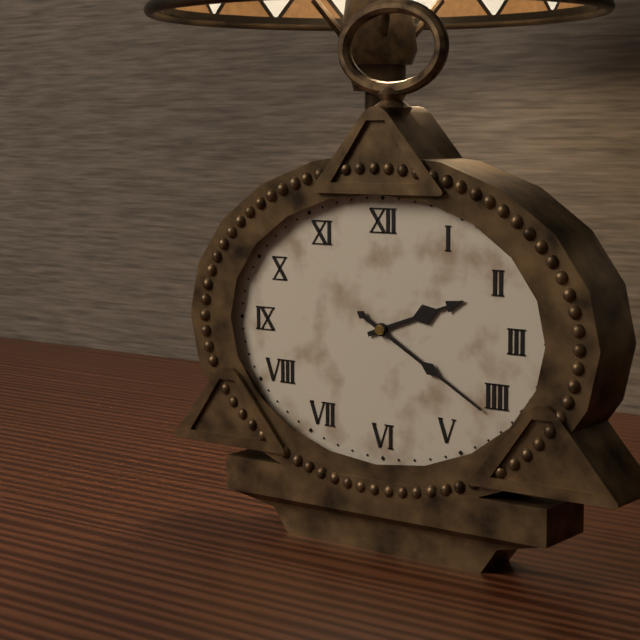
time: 2:20
